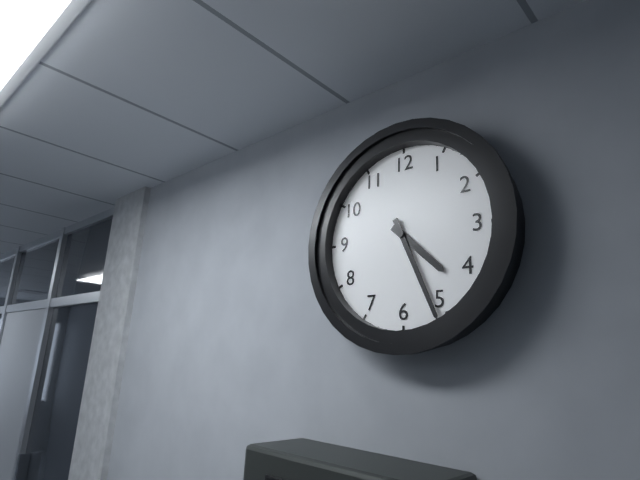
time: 4:26
